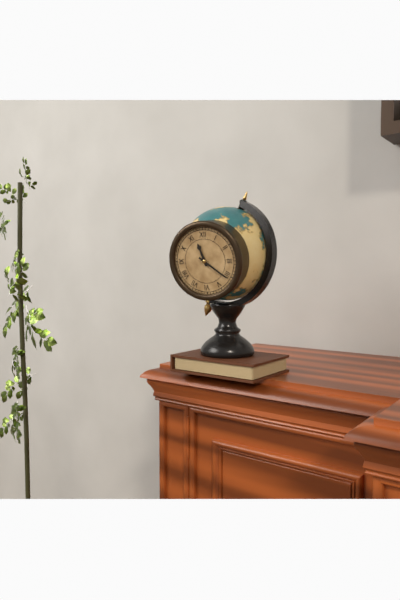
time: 11:21
